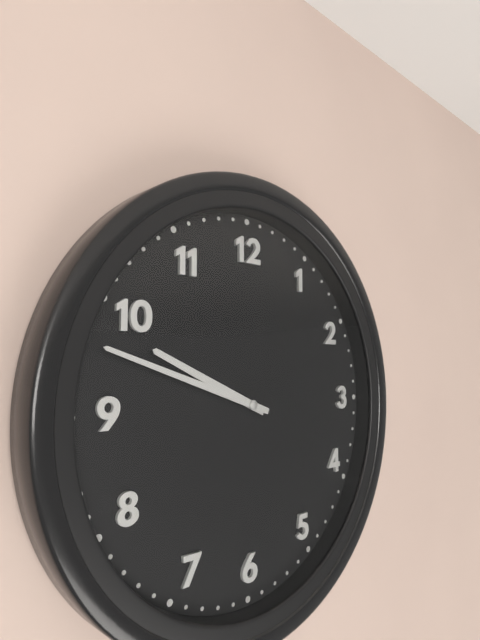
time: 9:48
